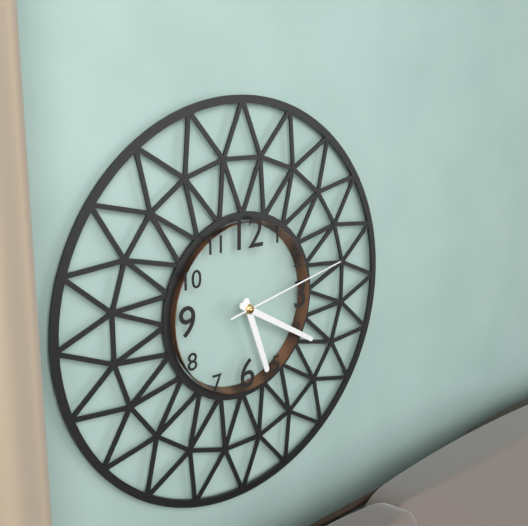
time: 5:20:13
